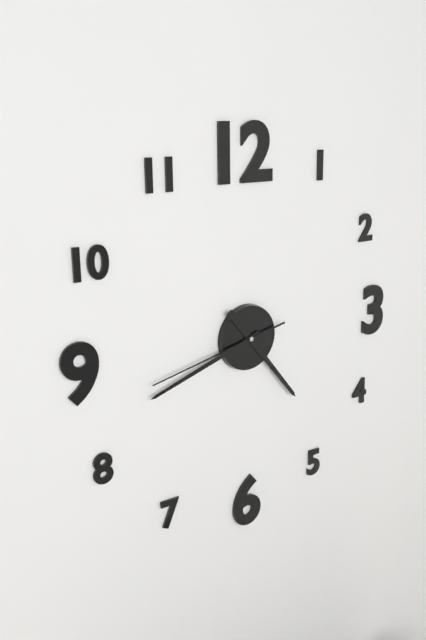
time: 4:42:43
